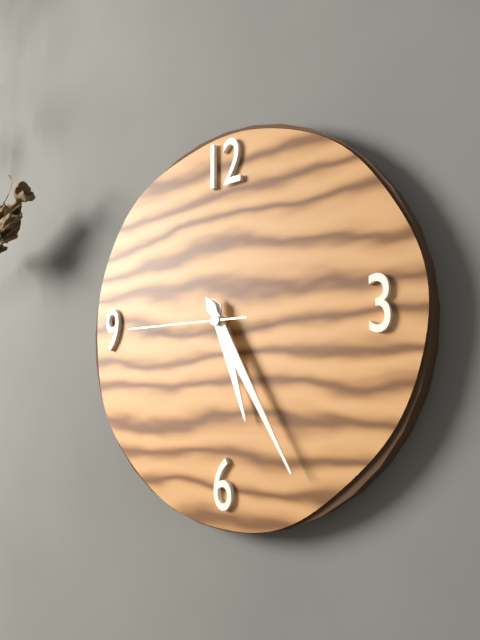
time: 5:25:45
